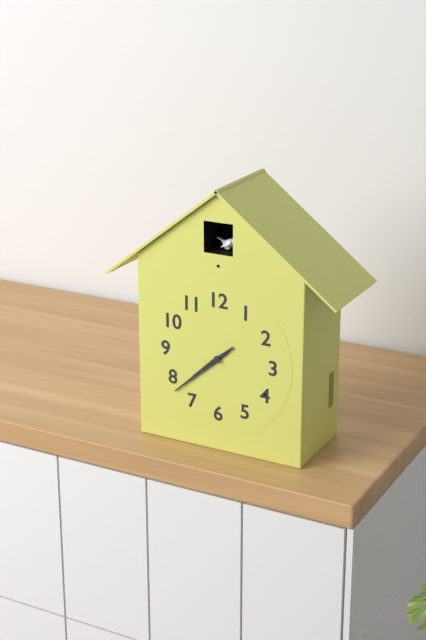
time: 7:38
